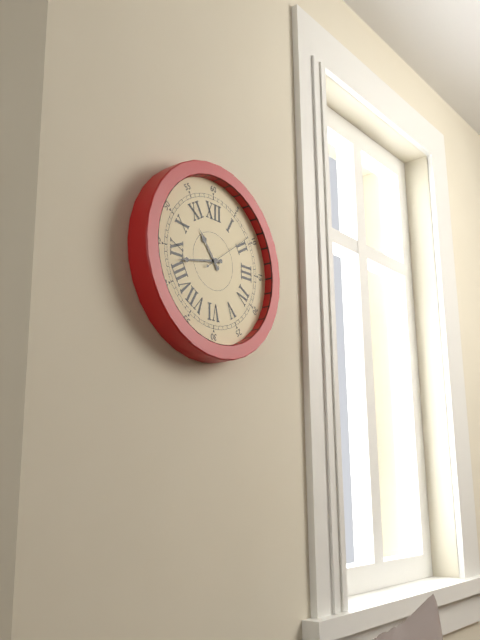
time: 10:43:09
